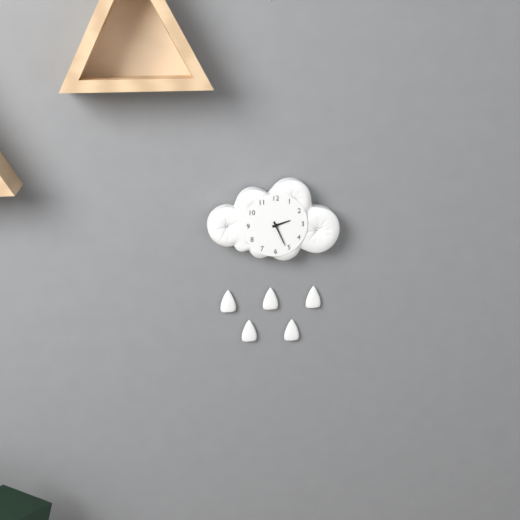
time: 2:26
